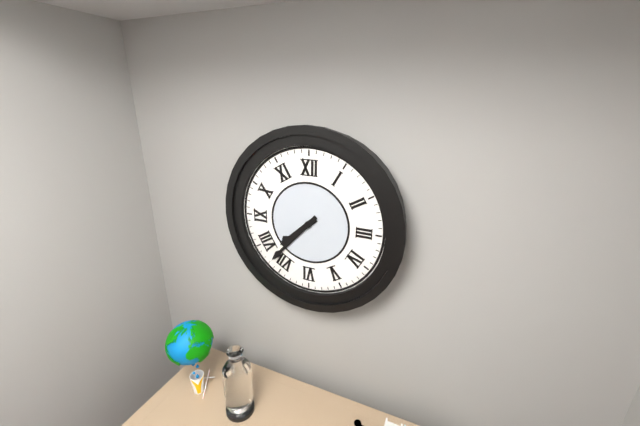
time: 7:37
